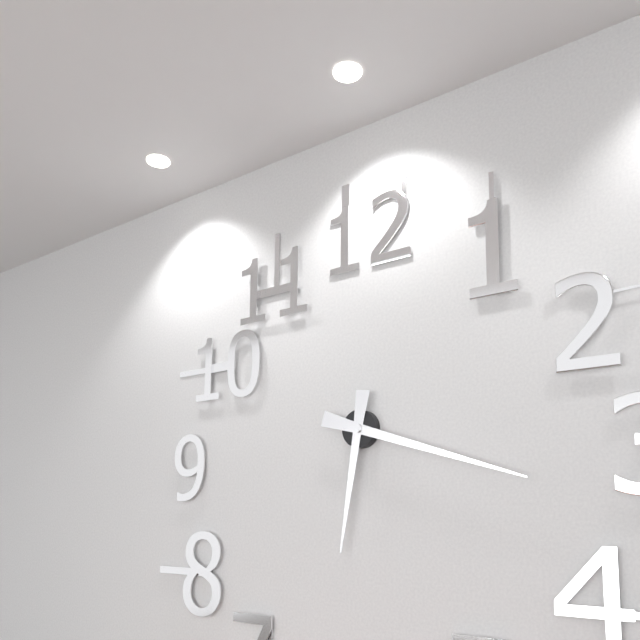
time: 6:18
